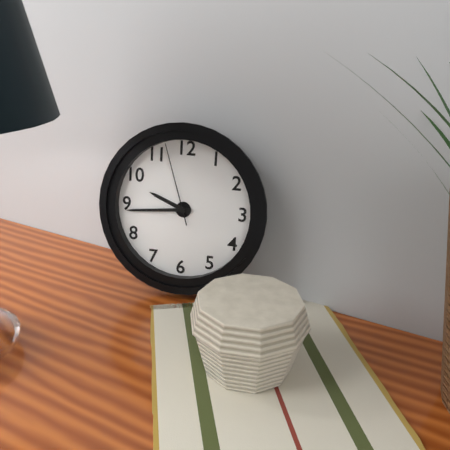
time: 9:44:57
